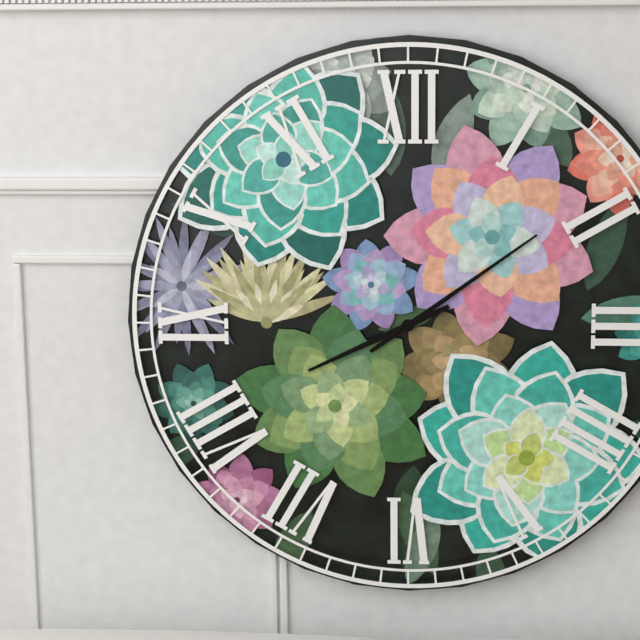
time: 8:09
